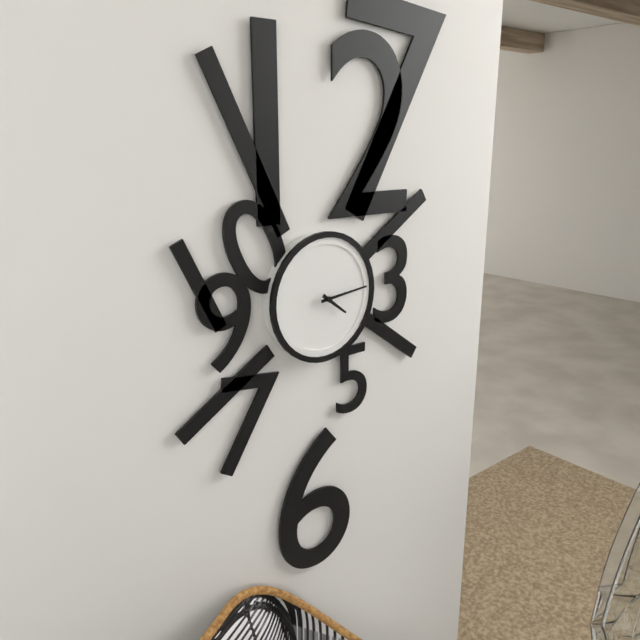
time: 4:14
